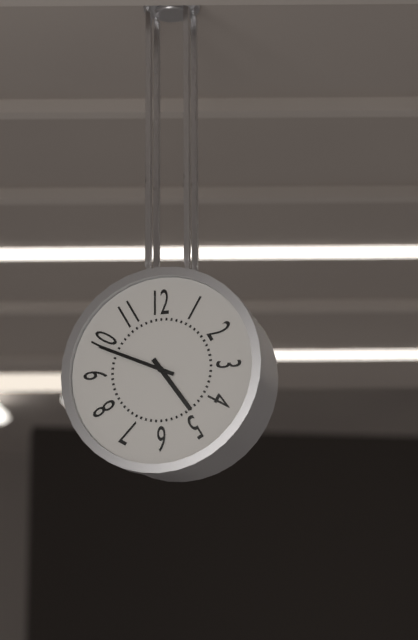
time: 4:49
